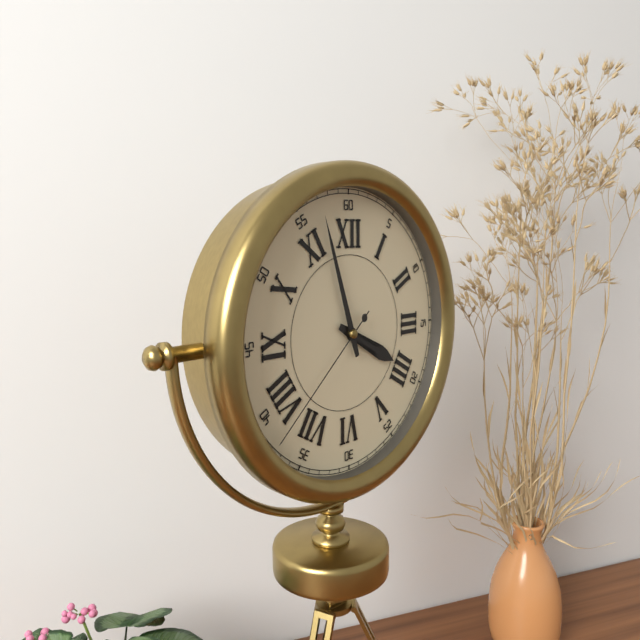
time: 3:57:38
